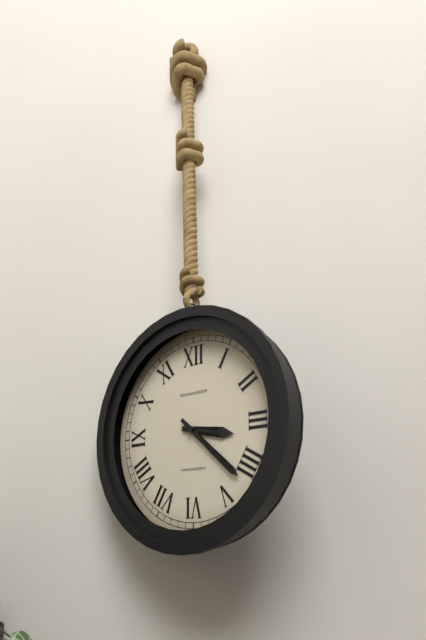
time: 3:22
